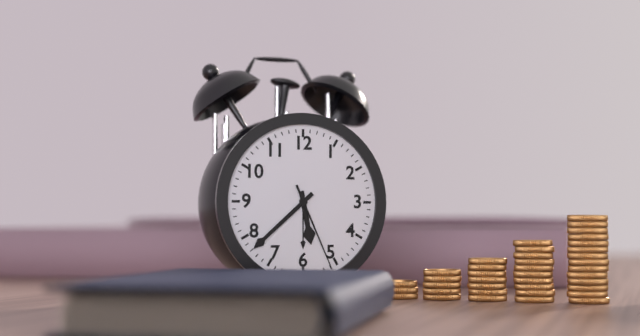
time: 5:38:26
